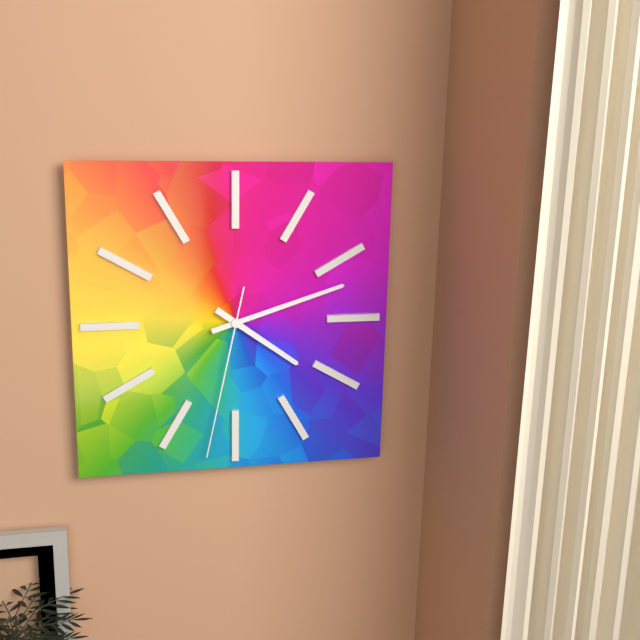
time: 4:12:32
